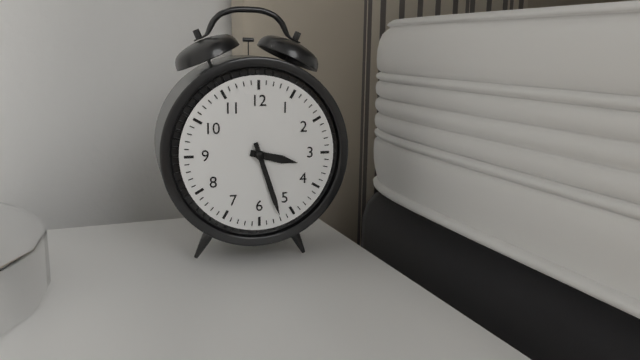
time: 3:27
